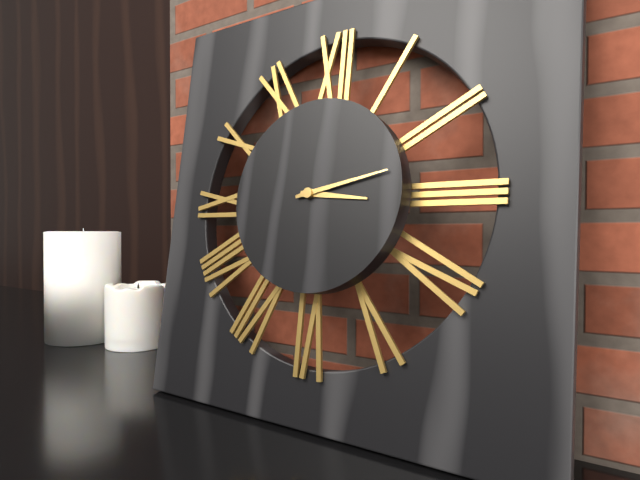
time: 3:13
